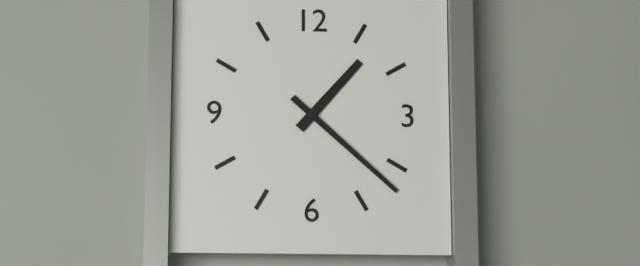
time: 1:22
